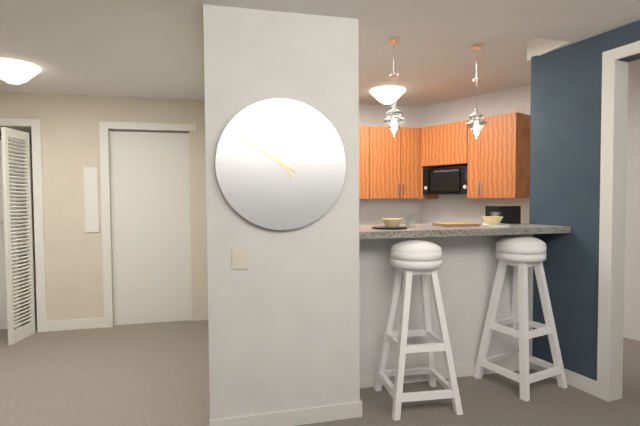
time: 10:50
